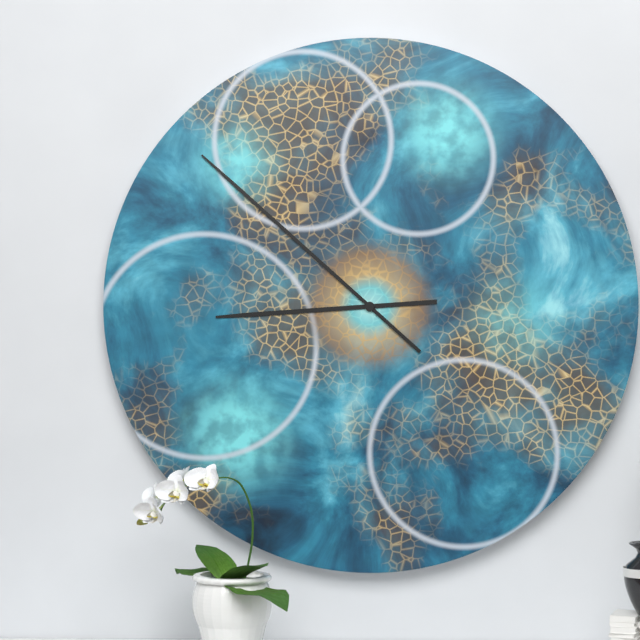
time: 8:52
